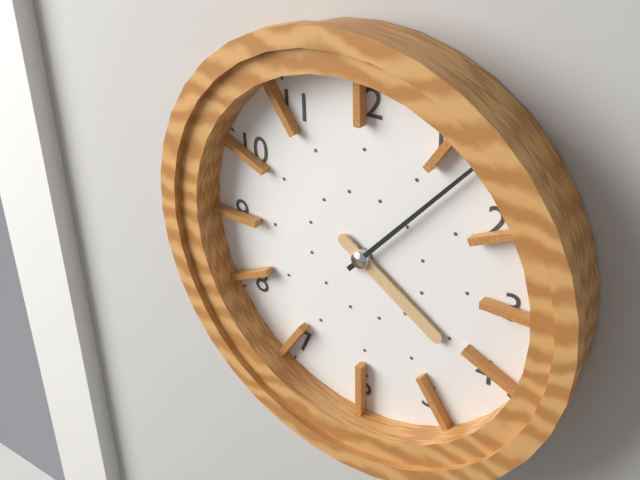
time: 4:07
